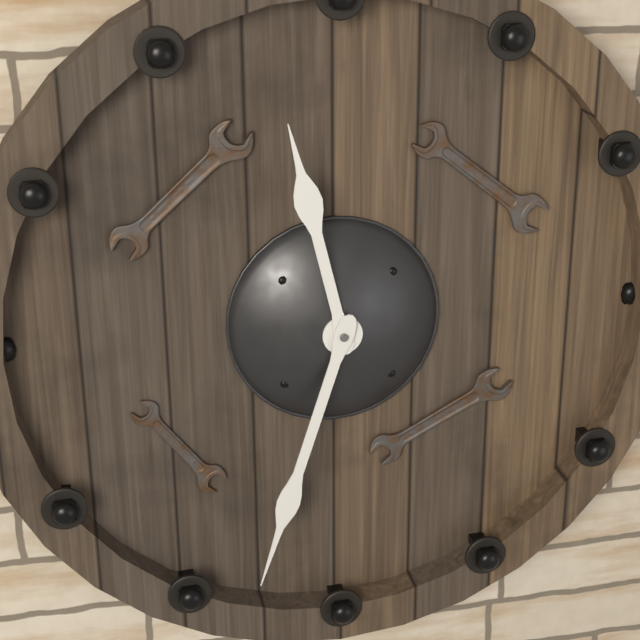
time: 11:33
